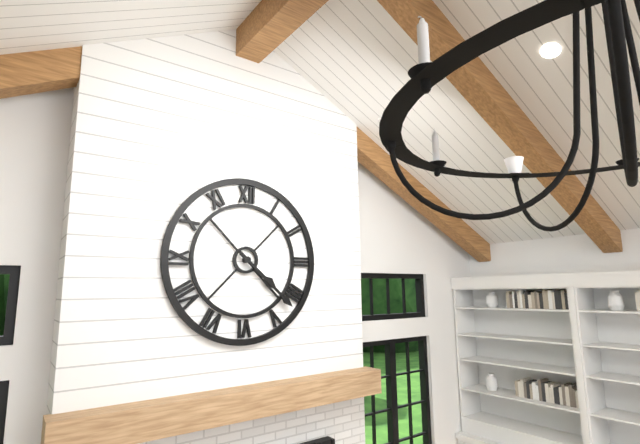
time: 4:22
